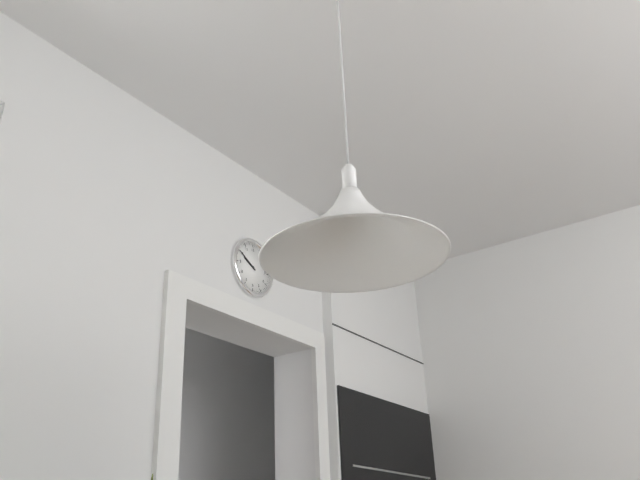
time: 9:50
